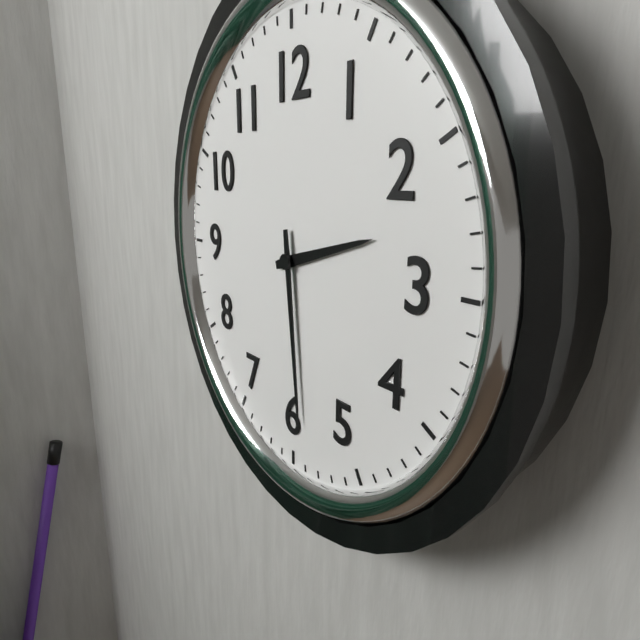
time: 2:29
